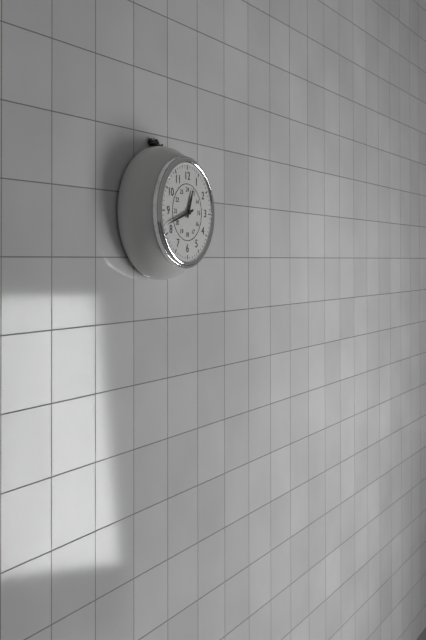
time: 12:42
